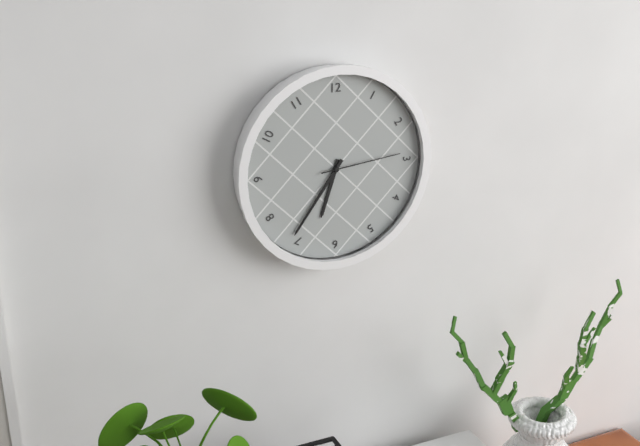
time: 6:36:14
